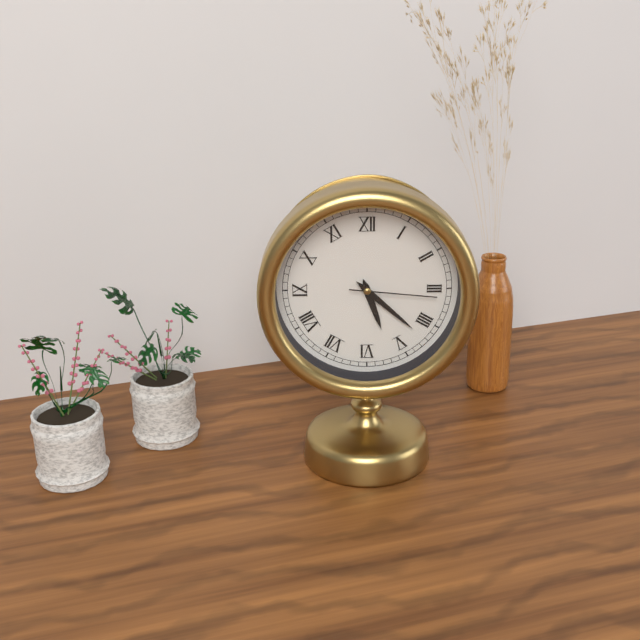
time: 5:22:16
